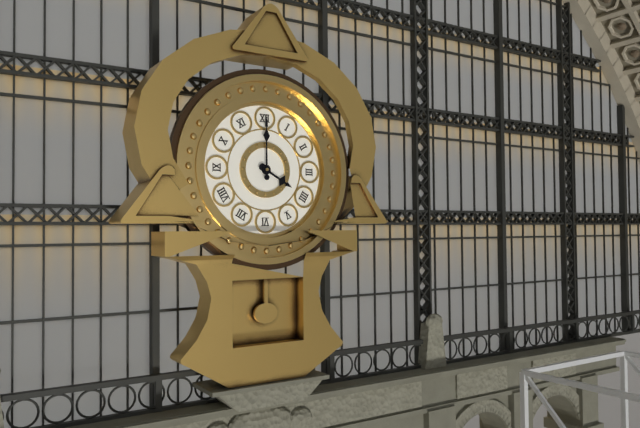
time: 4:00
